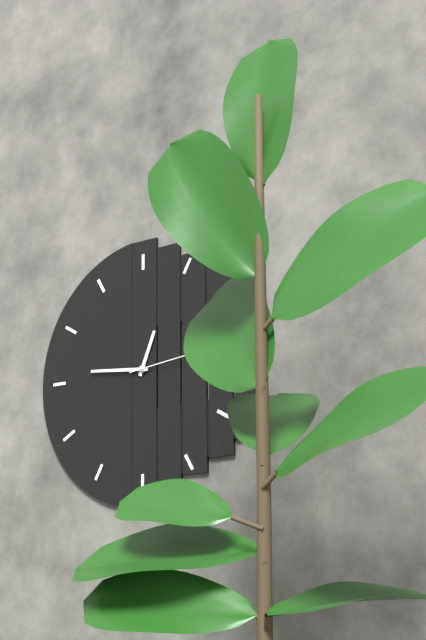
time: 12:46:14
